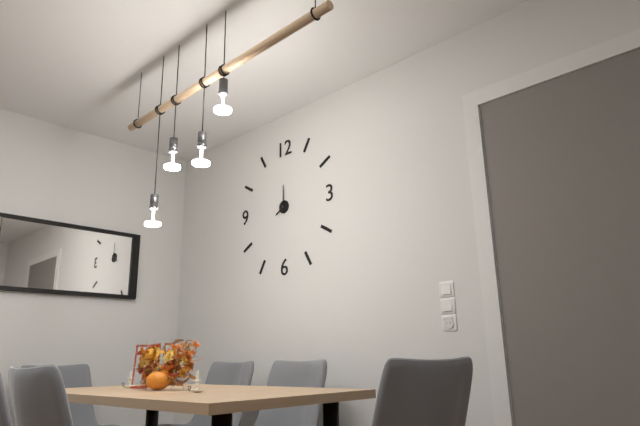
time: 8:00
